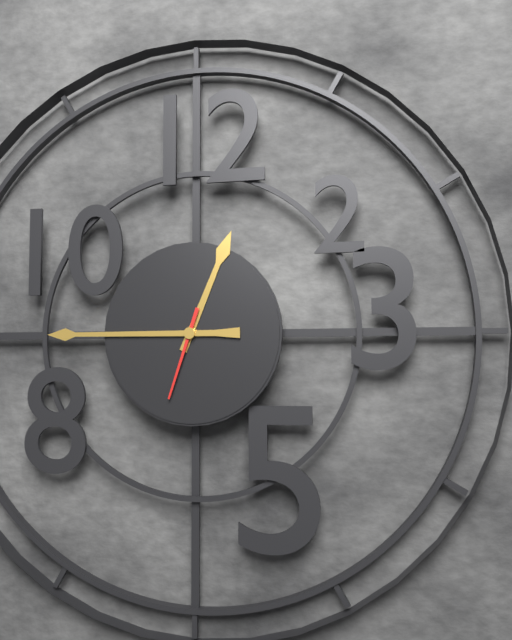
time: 12:45:33
